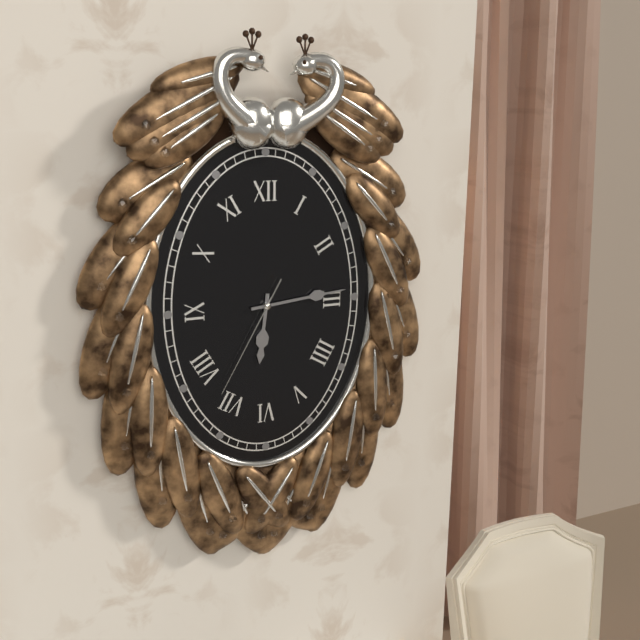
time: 6:14:35
